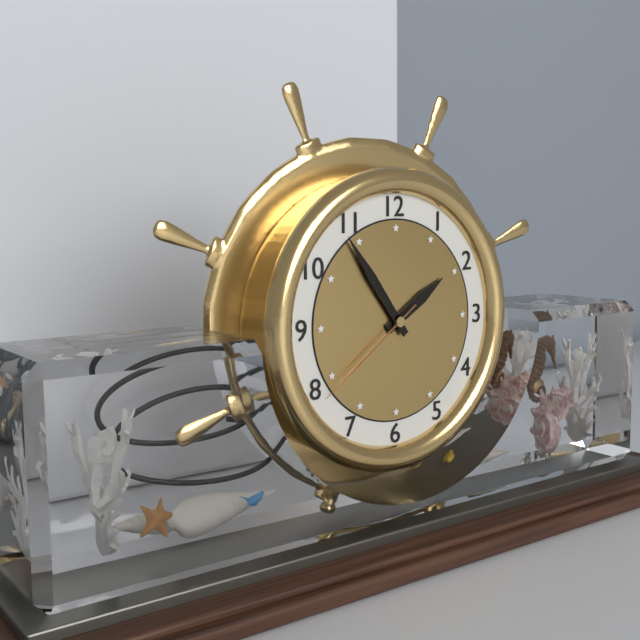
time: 1:54:39
